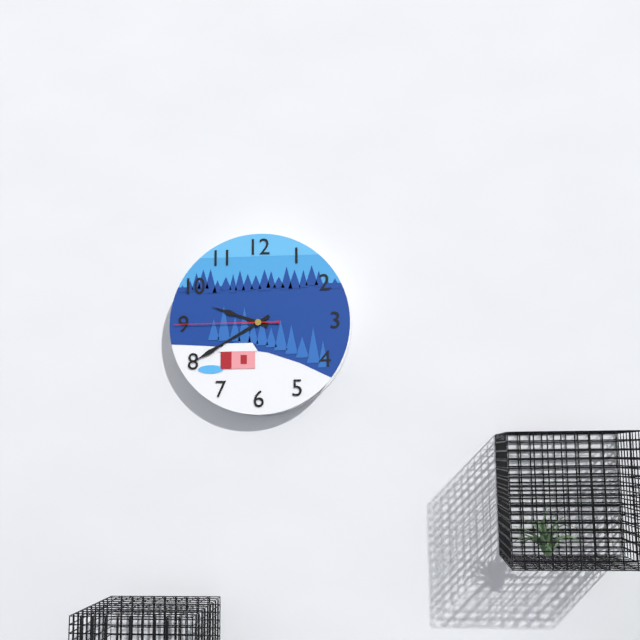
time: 9:40:45
